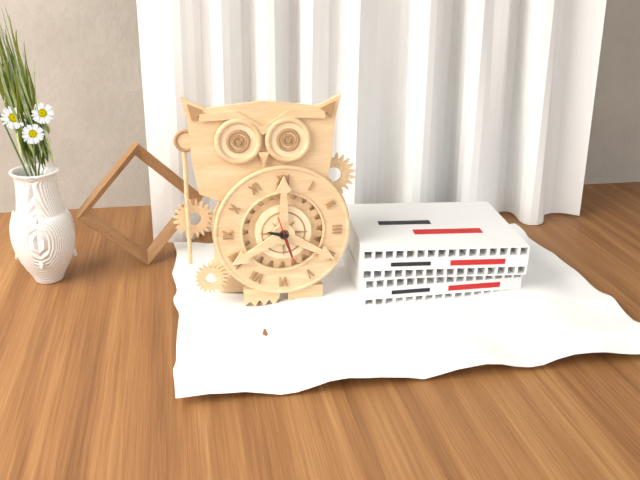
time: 9:27
